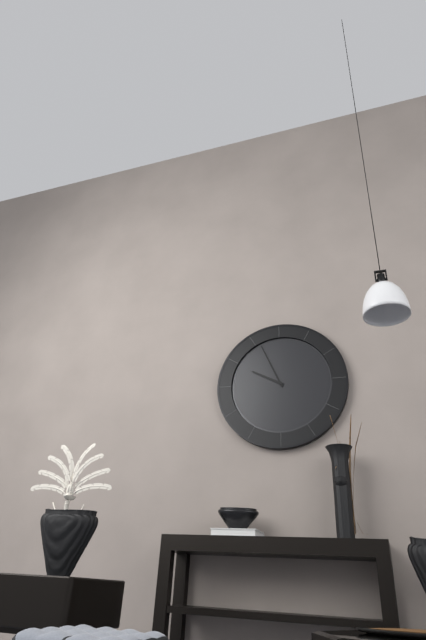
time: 9:56
